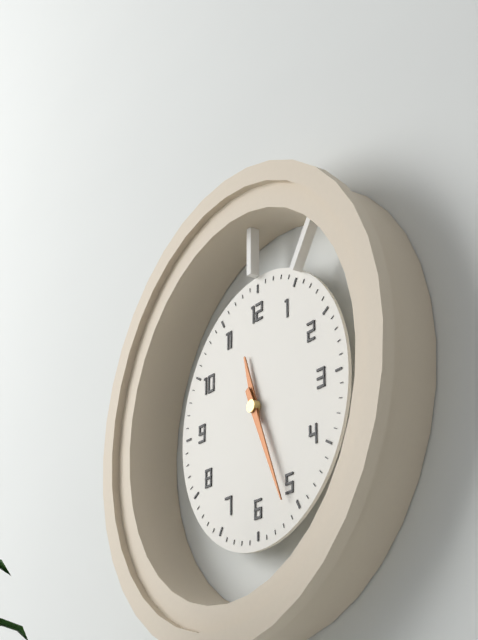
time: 11:26
